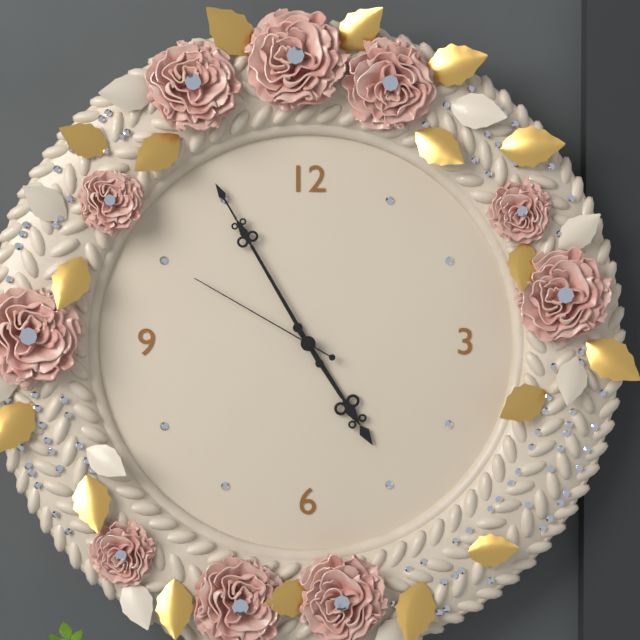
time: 4:55:50
